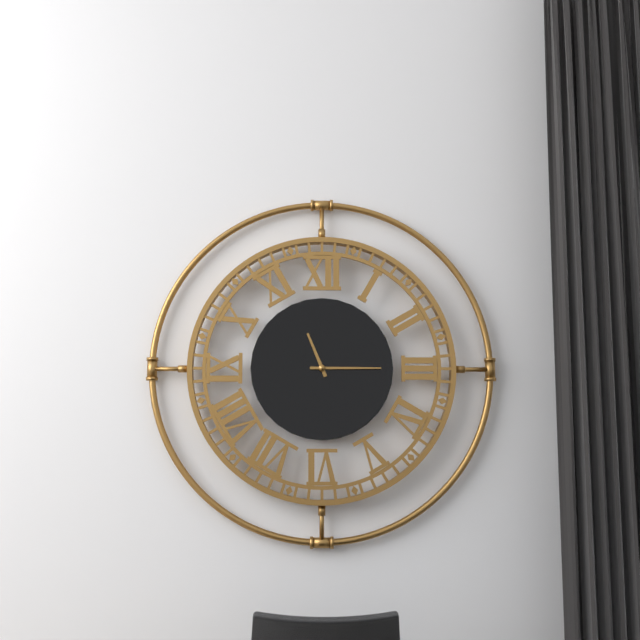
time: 11:15
